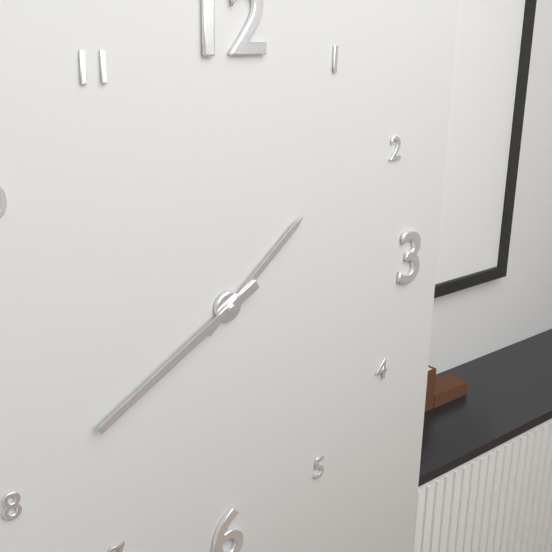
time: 1:40
